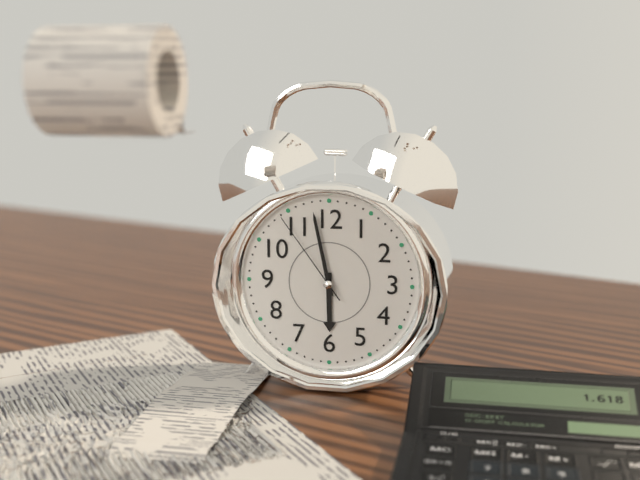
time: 5:58:54
